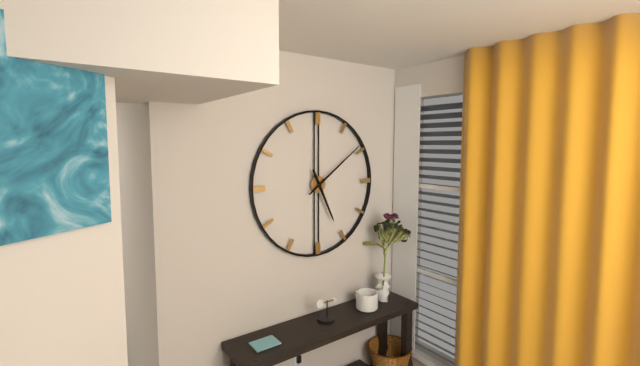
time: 5:09
